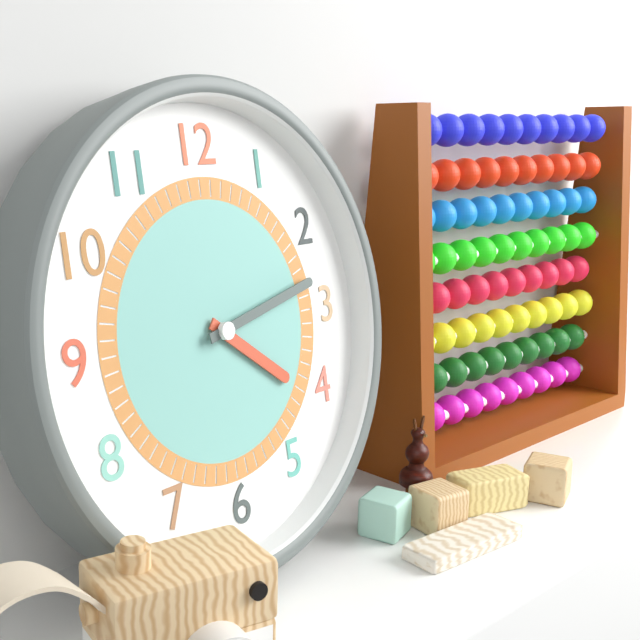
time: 4:13
